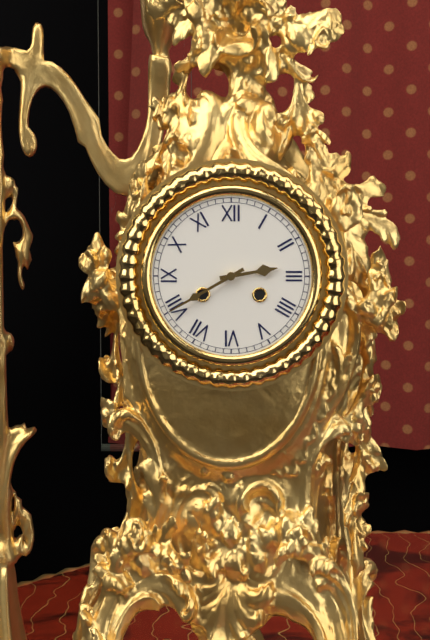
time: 2:40
